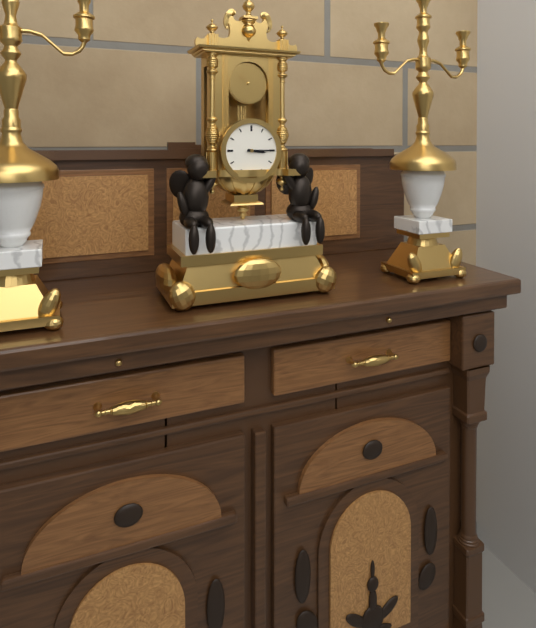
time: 3:15
